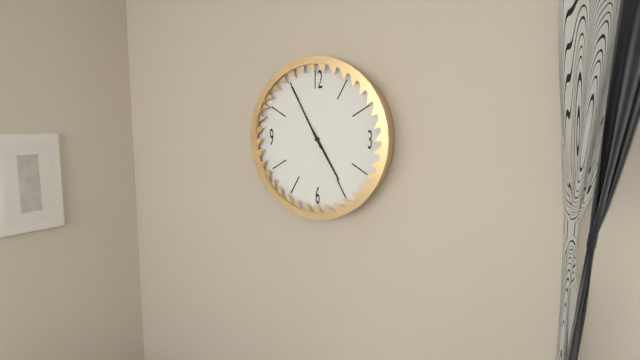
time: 4:55
